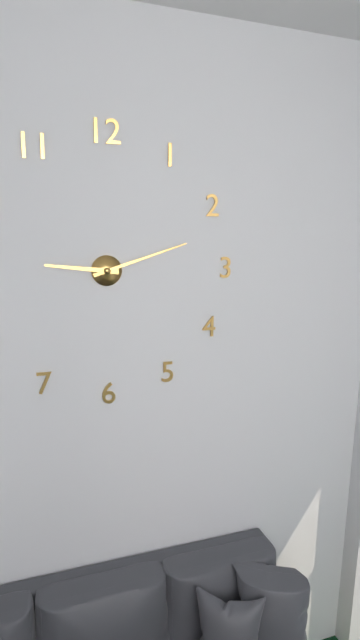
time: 9:12
